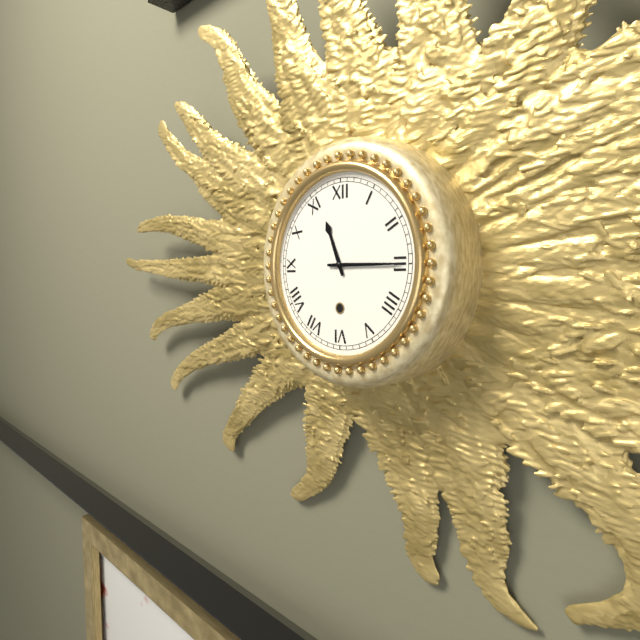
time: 11:15
